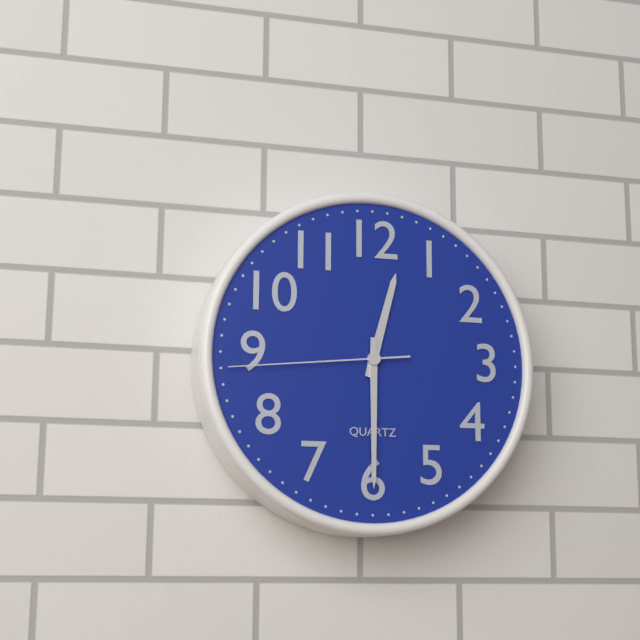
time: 12:30:44
